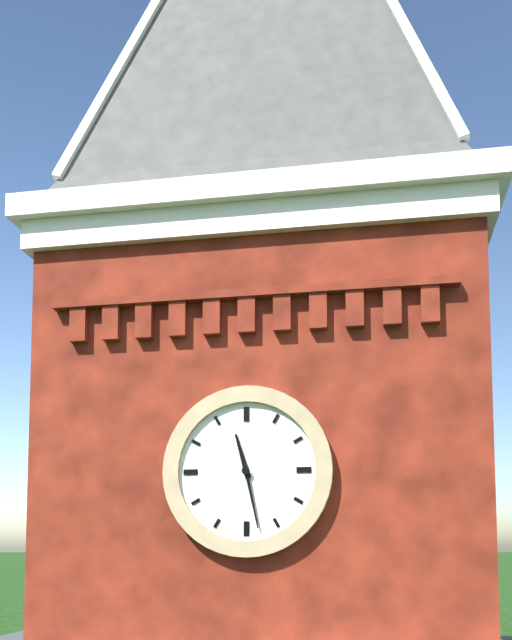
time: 11:28
